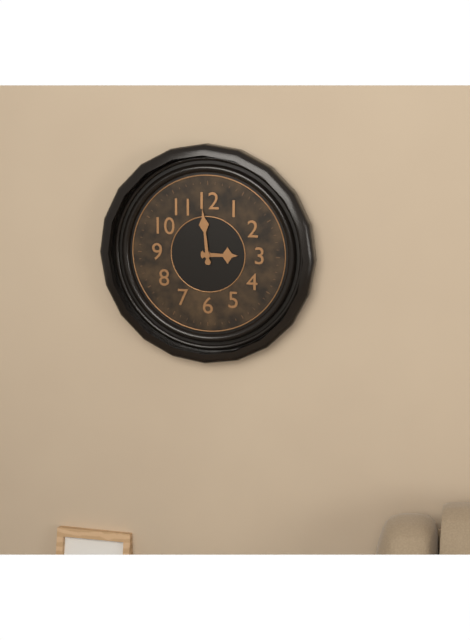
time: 2:59
